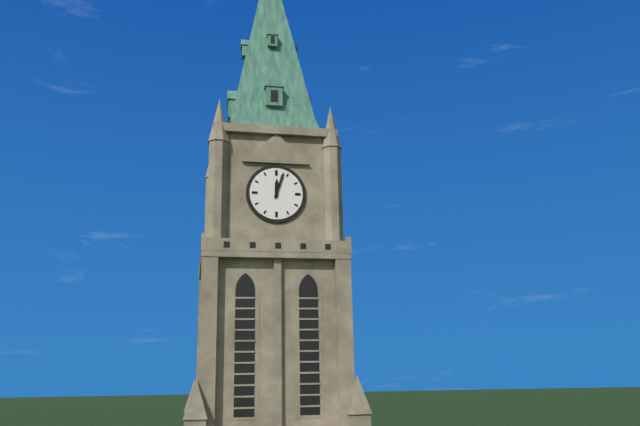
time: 12:03
